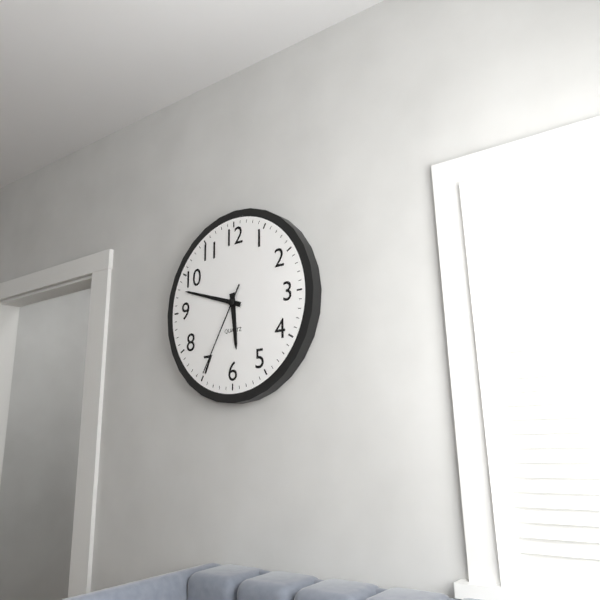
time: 5:48:35
